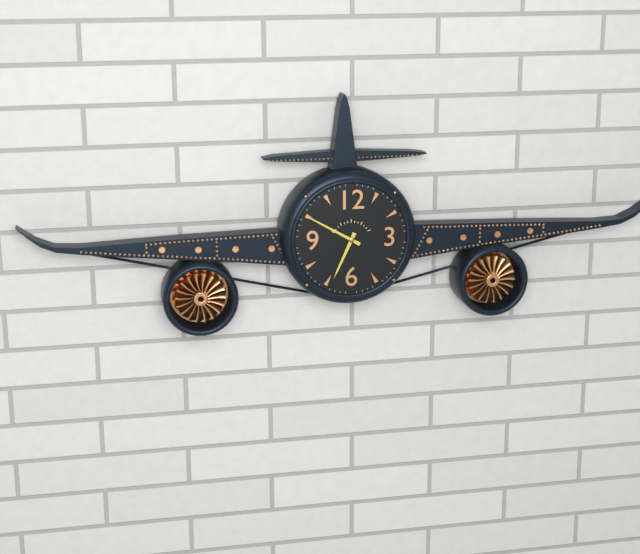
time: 6:50
